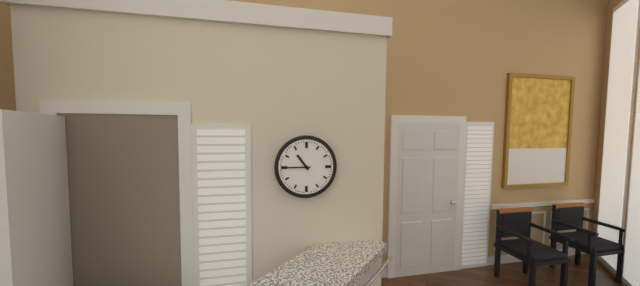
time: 10:45
